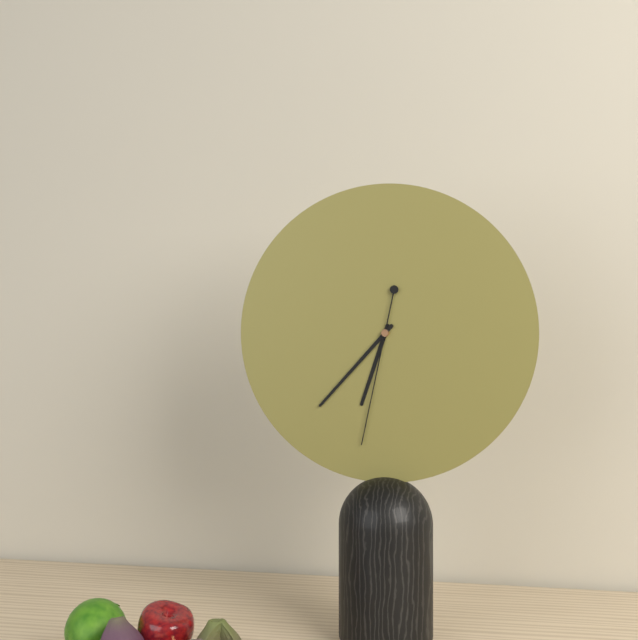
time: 6:37:32
